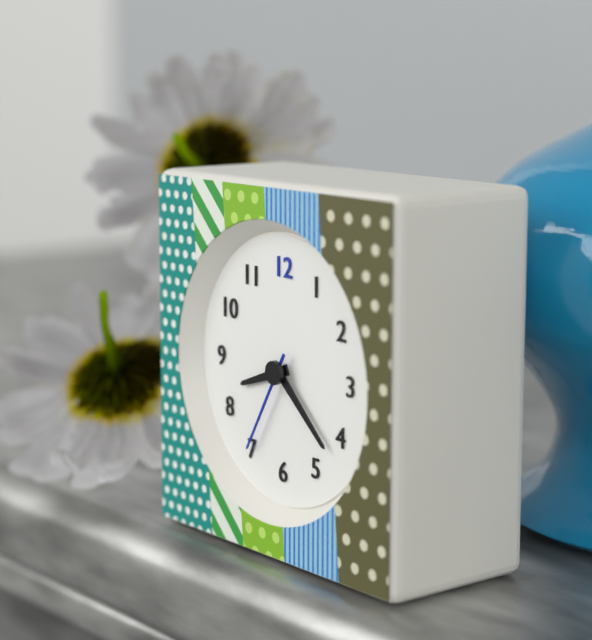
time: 8:22:35
